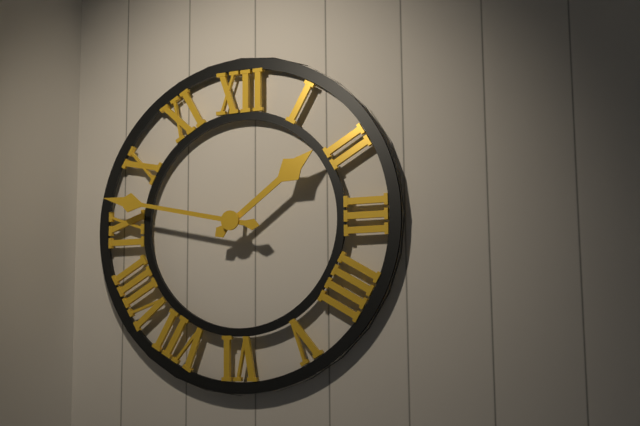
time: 1:47
